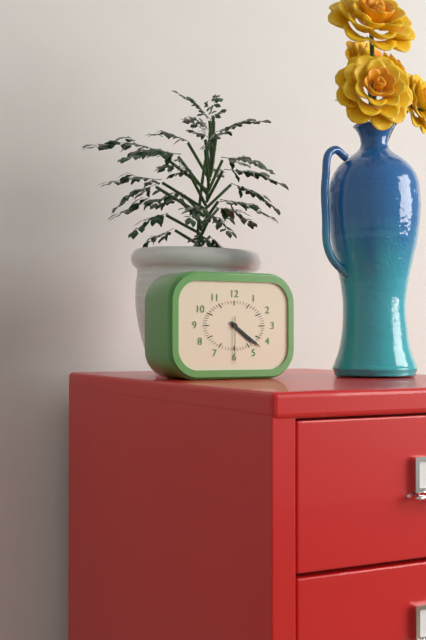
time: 4:21:30
